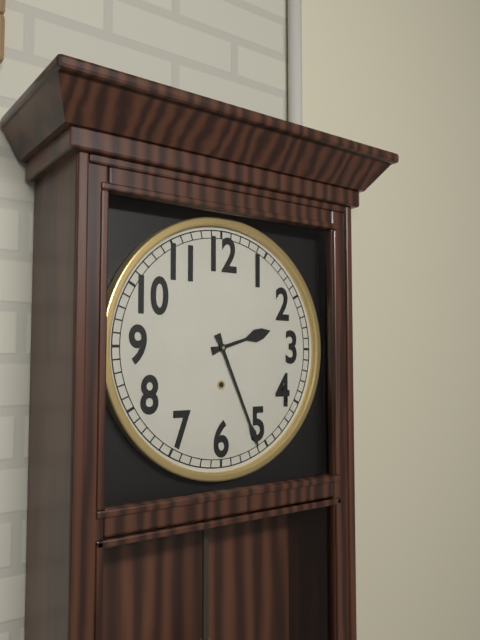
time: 2:26
